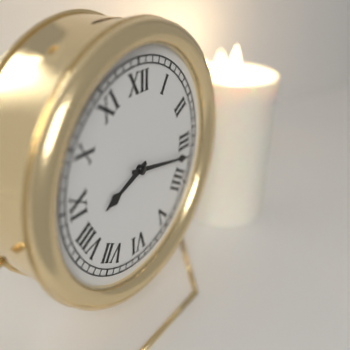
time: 8:17
